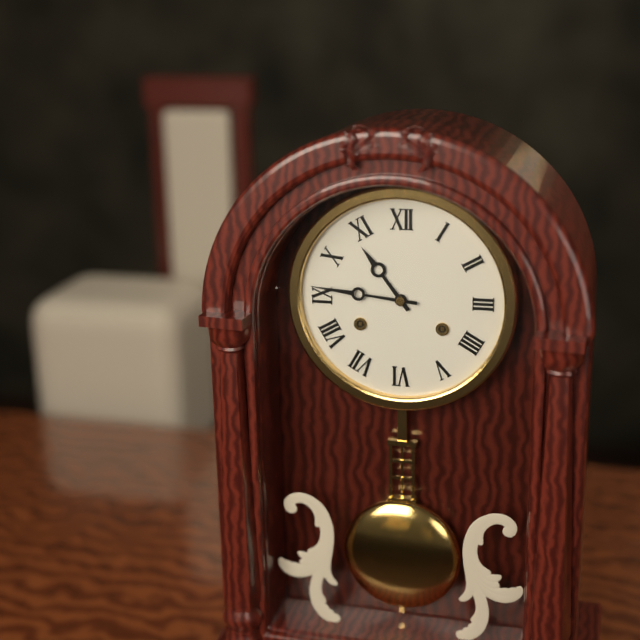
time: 10:46
